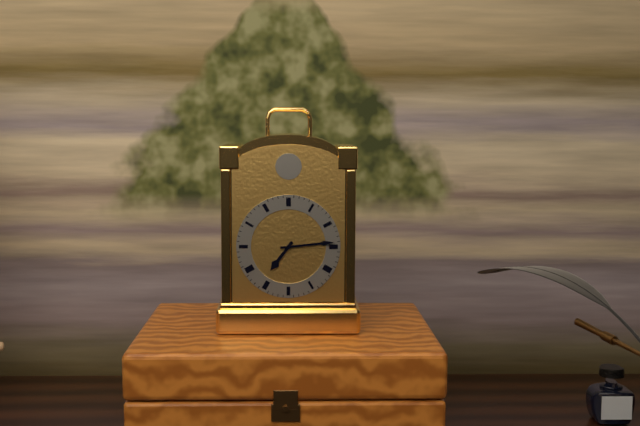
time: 7:14
